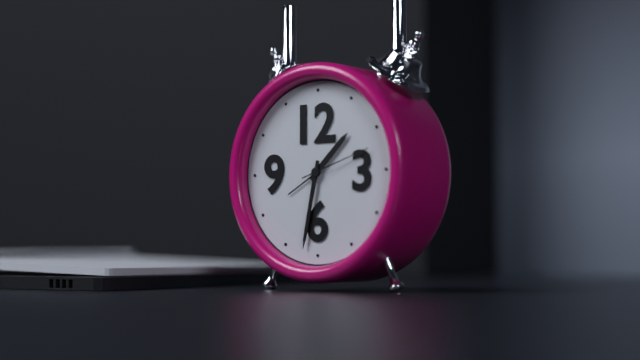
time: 1:32:12
